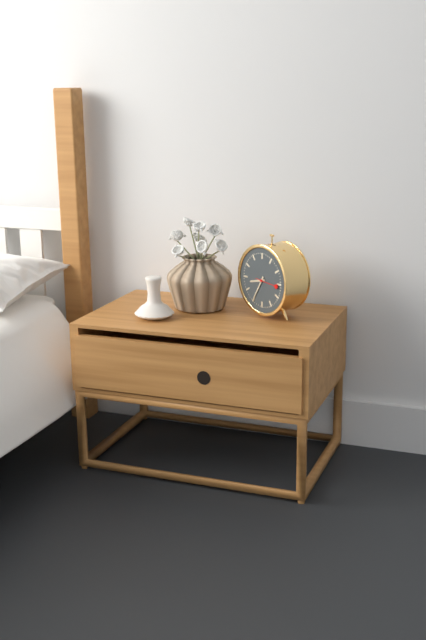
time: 8:35
